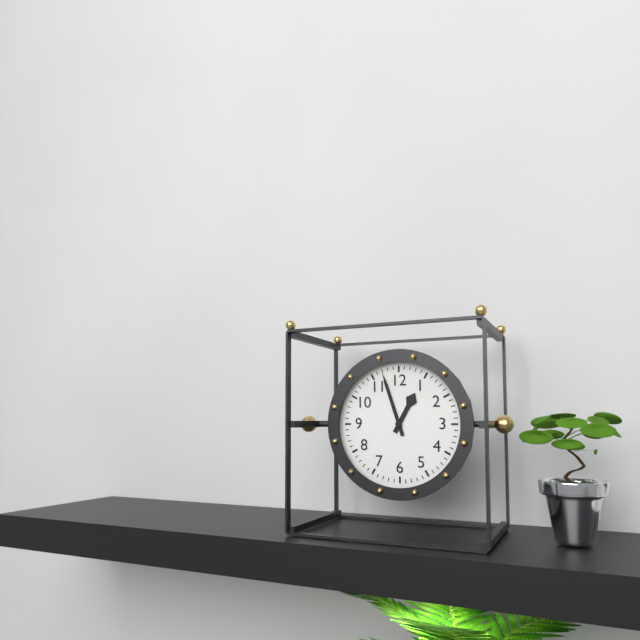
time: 12:57
